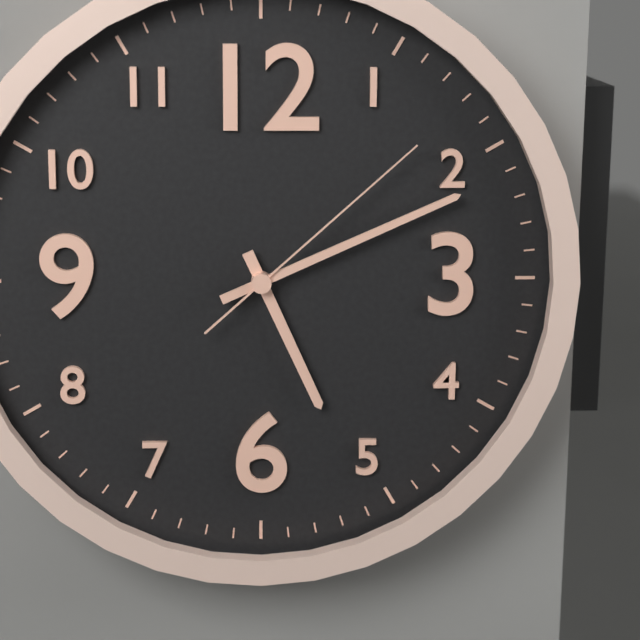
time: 5:11:08
